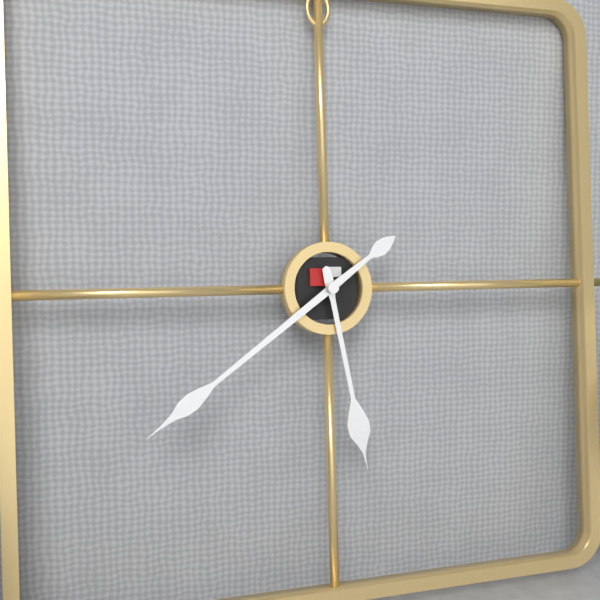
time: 5:39
